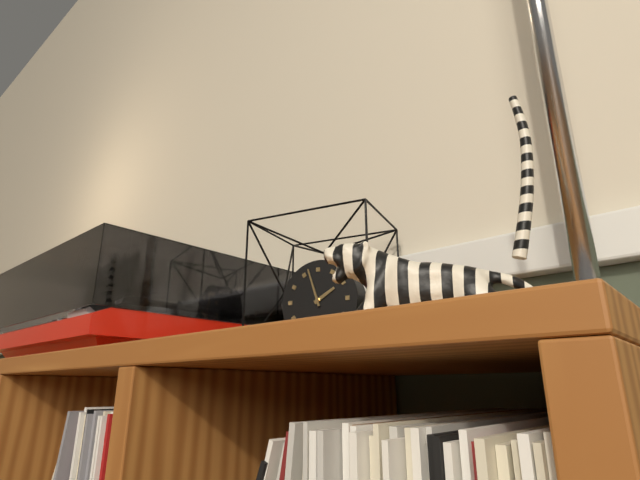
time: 1:57
